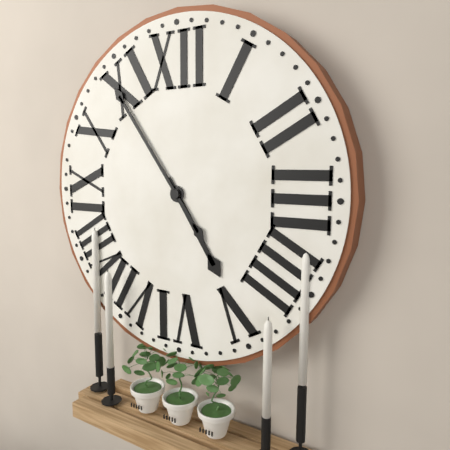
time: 4:54
